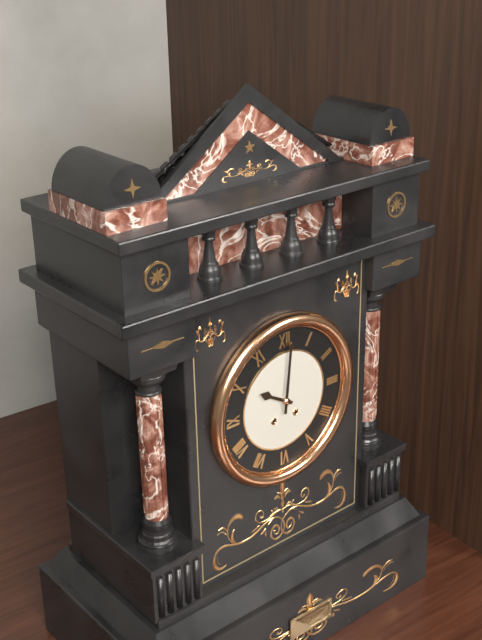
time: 10:01
